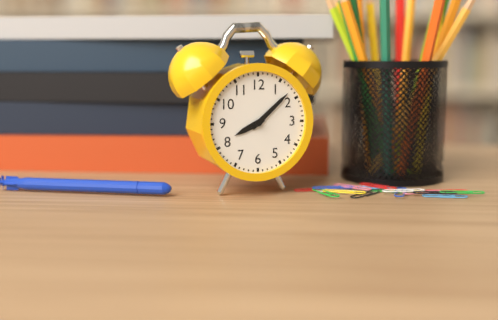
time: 8:08
